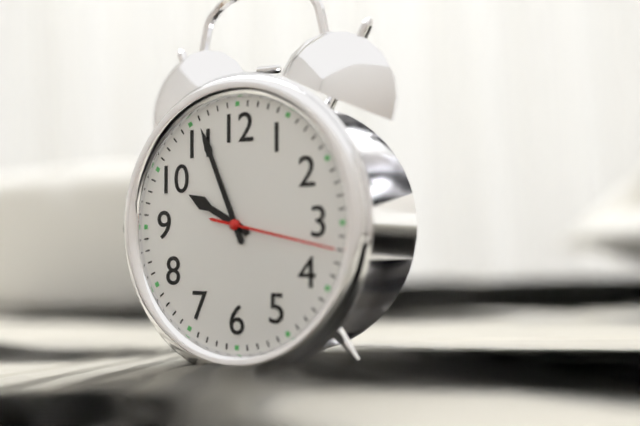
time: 9:56:17
